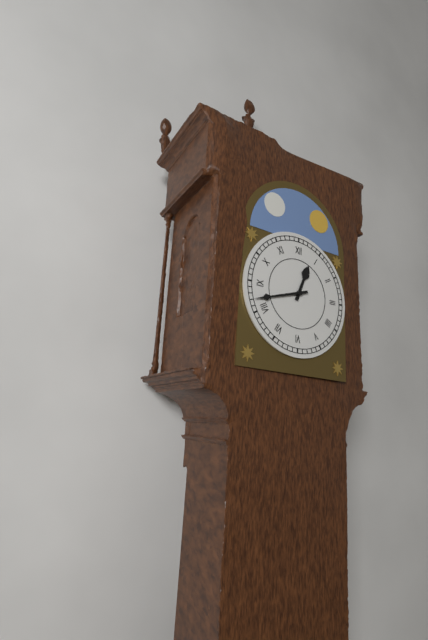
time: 12:42
